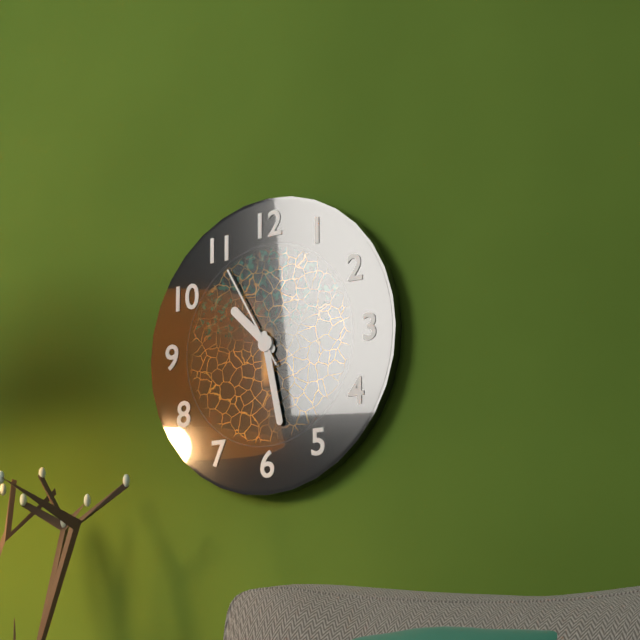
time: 10:28:55
